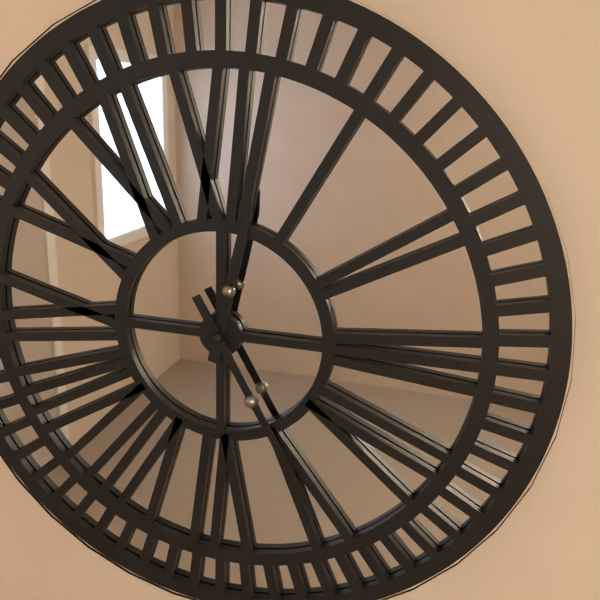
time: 12:25
